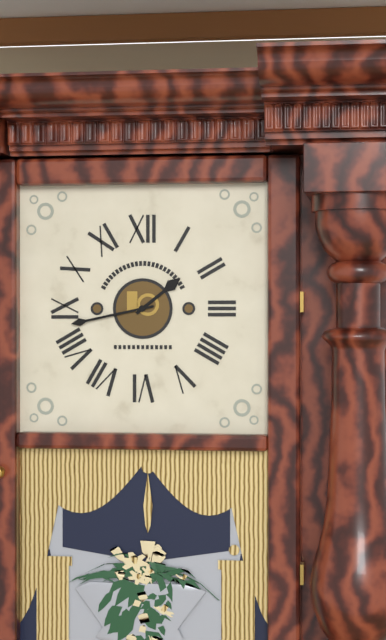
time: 1:43
